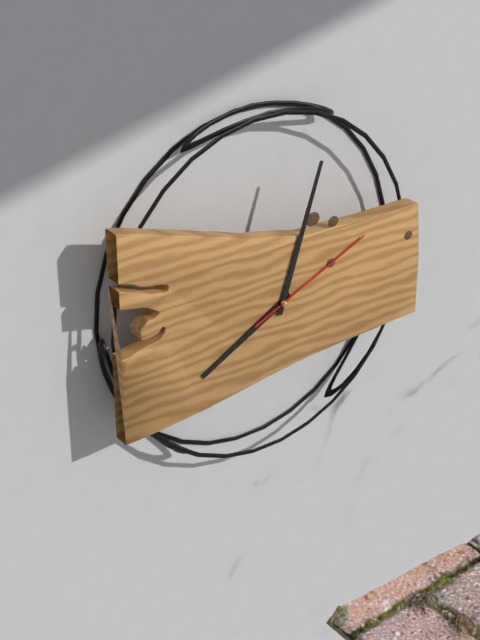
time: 8:03:11
